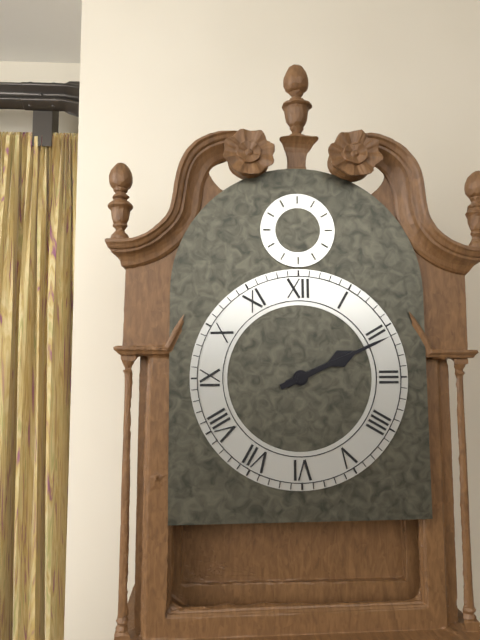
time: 2:11
